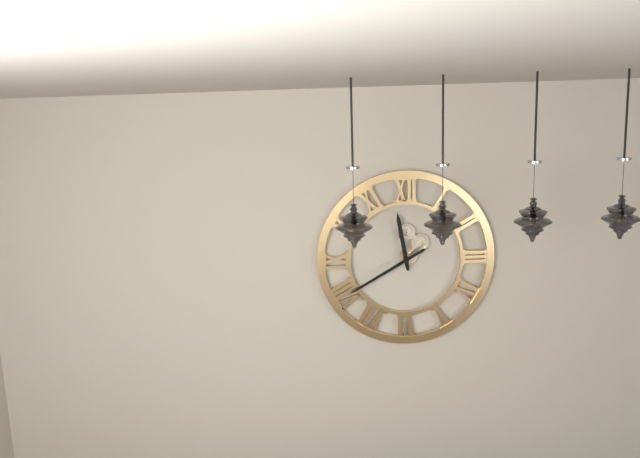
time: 11:40
